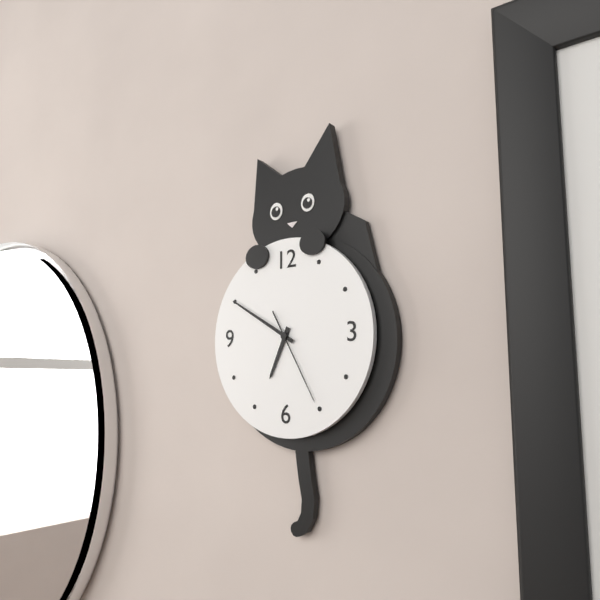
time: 6:50:25
